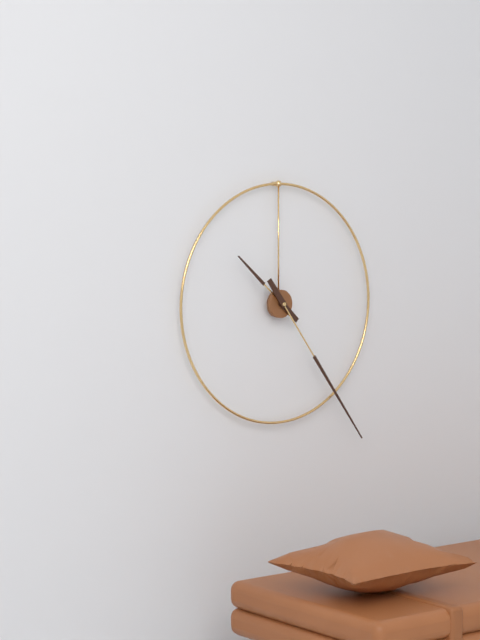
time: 10:24
